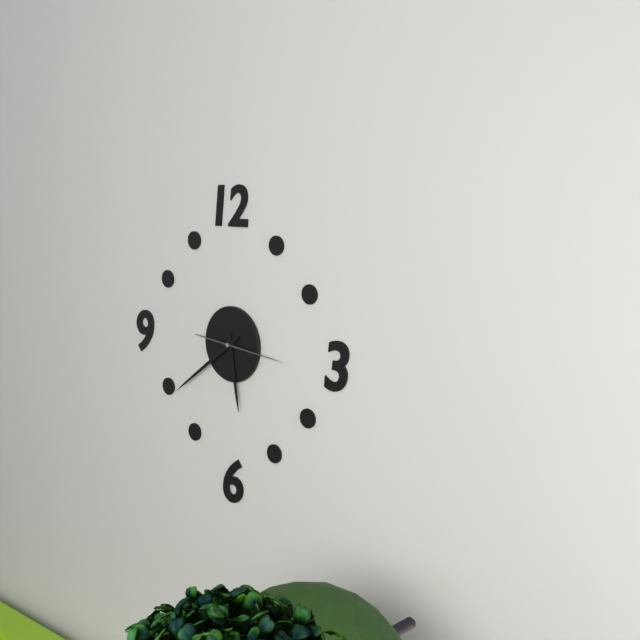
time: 5:39:16
